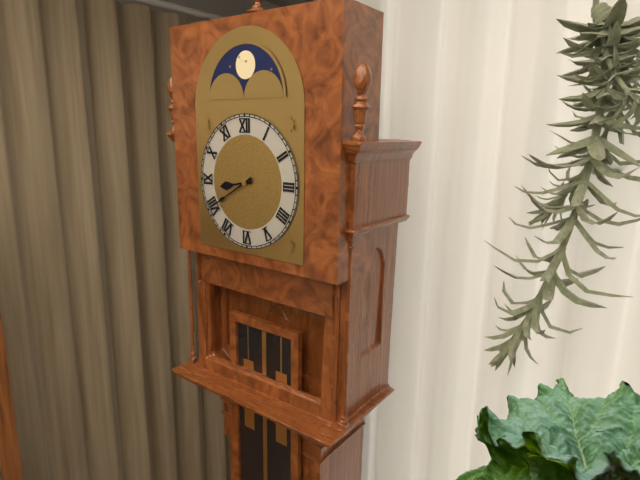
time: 8:40
